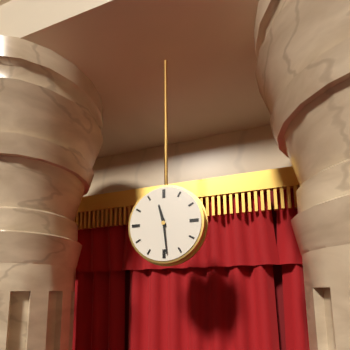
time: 11:29
